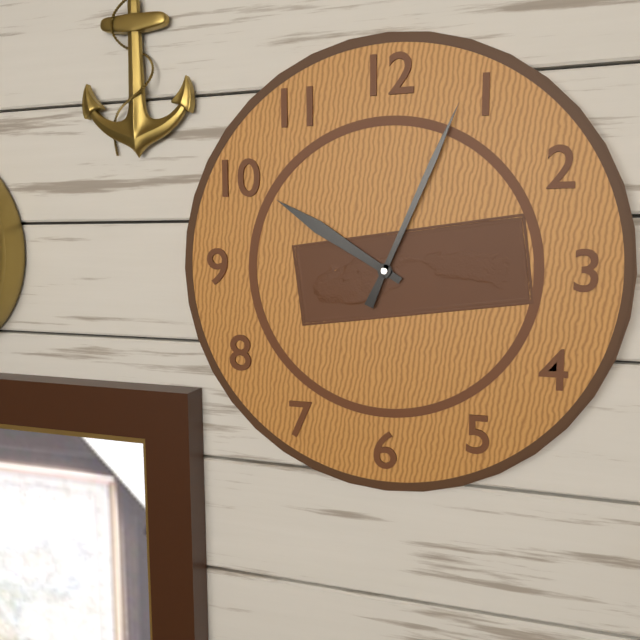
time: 10:04
